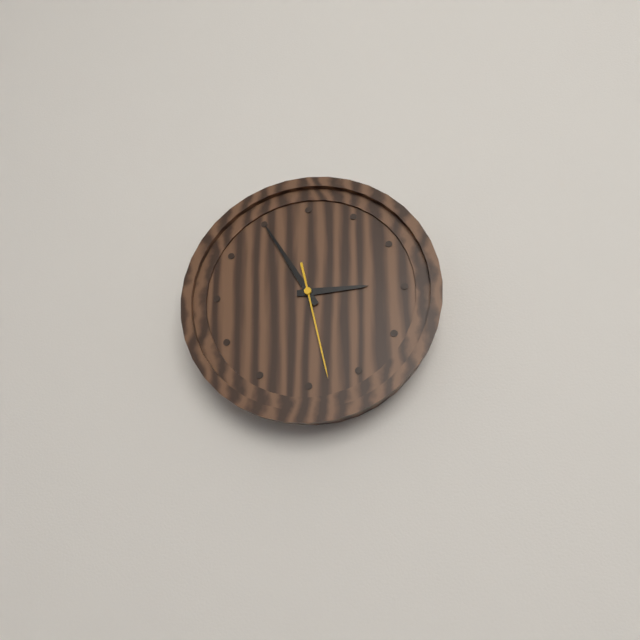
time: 2:55:28
